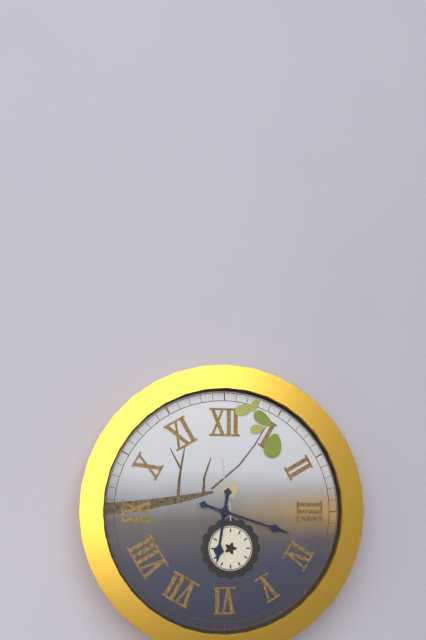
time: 6:18
